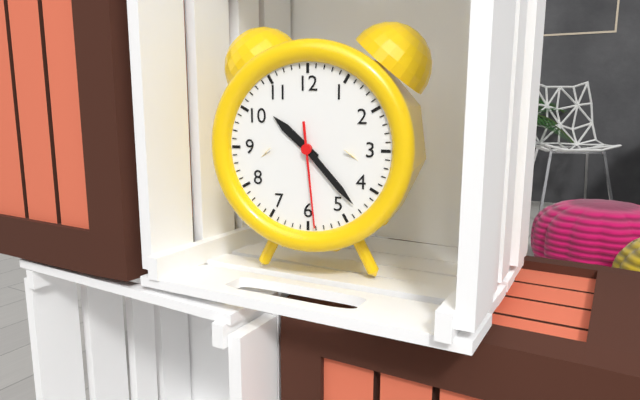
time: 10:23:29
